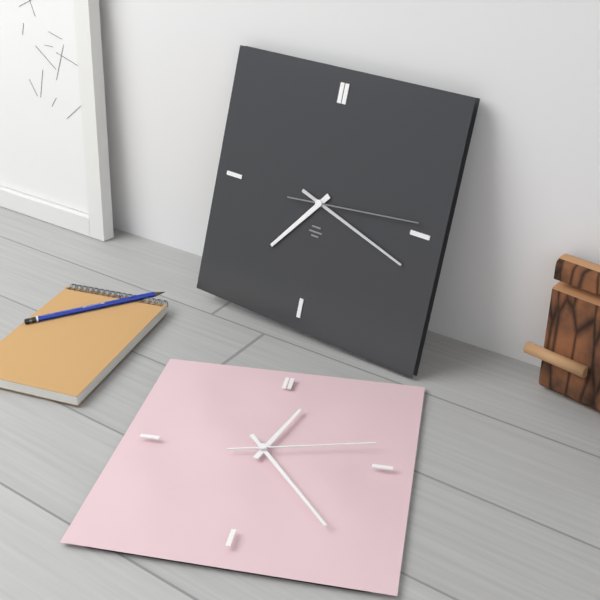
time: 7:18:14
